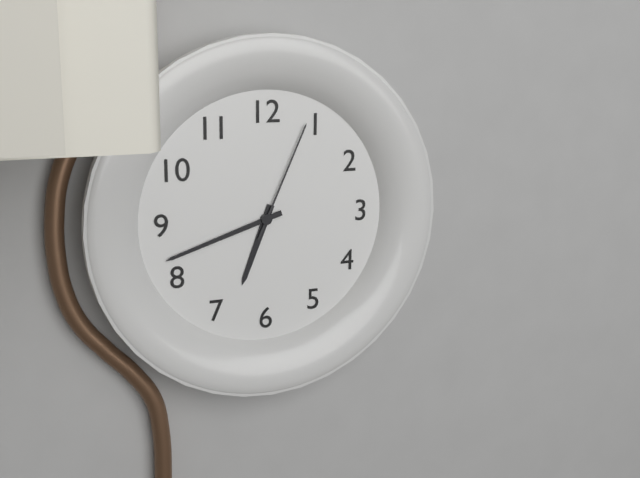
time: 6:42:04
